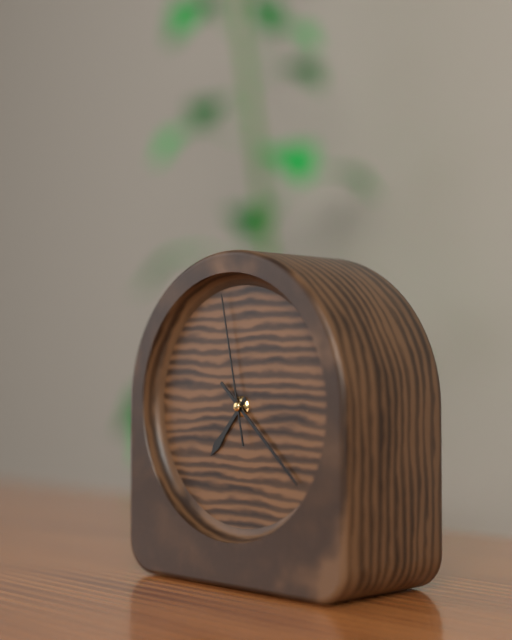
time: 7:22:58
